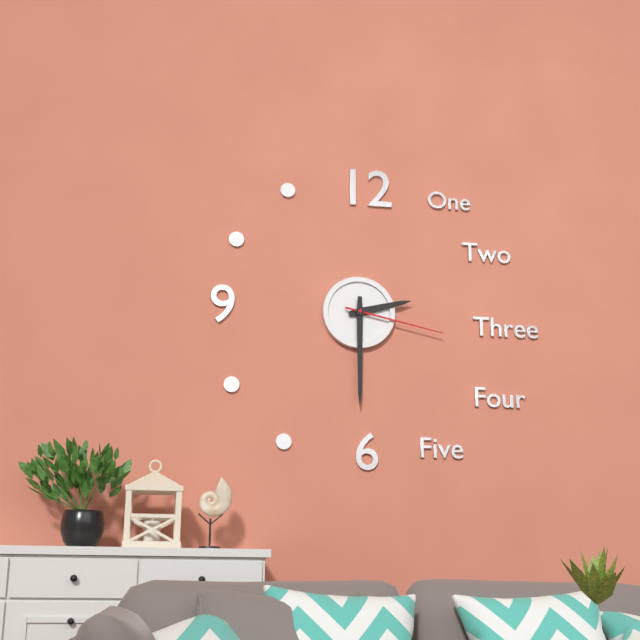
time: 2:30:17
